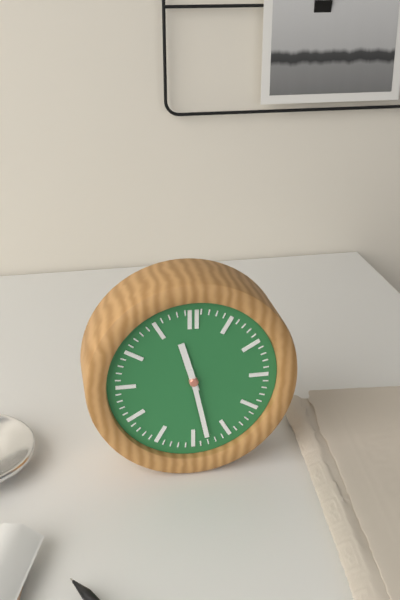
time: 11:28
